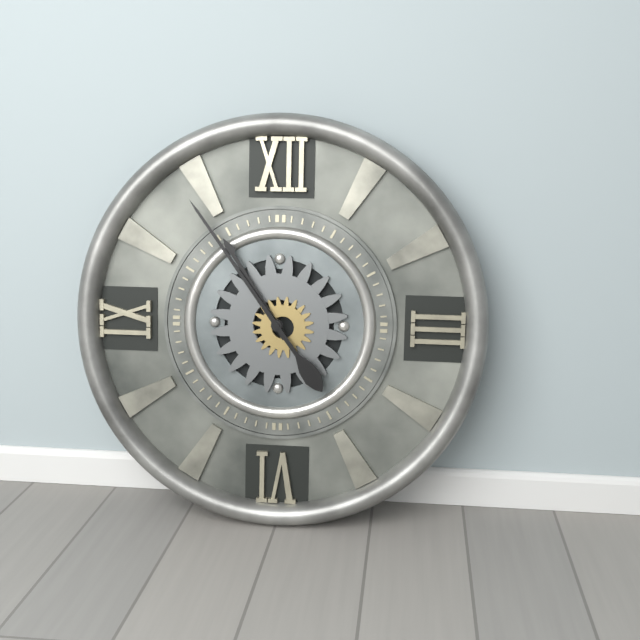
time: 10:54
